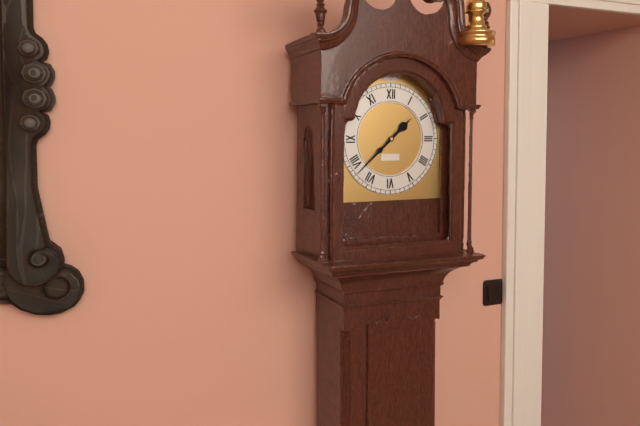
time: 1:38
